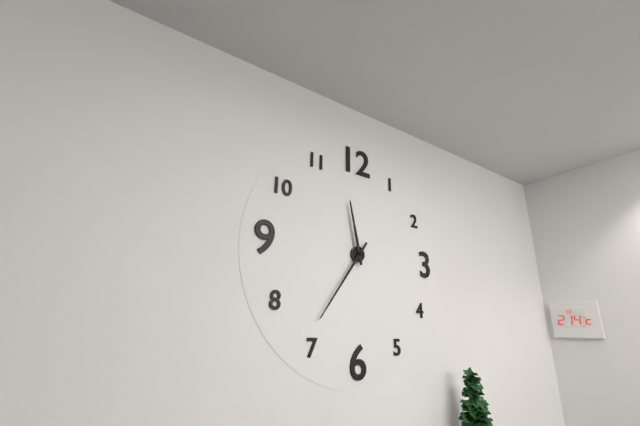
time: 11:36
